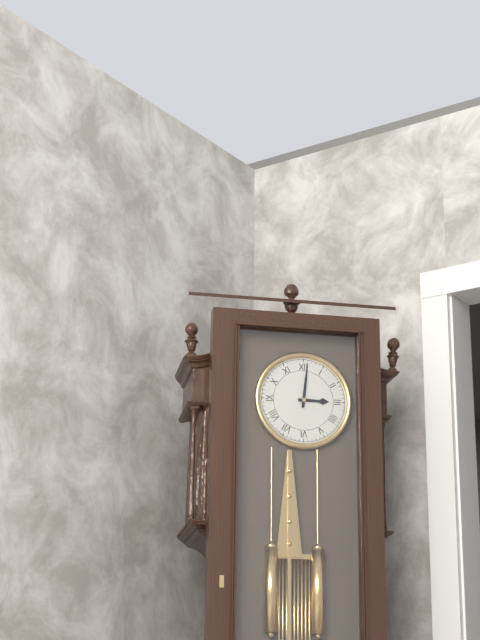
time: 3:01
